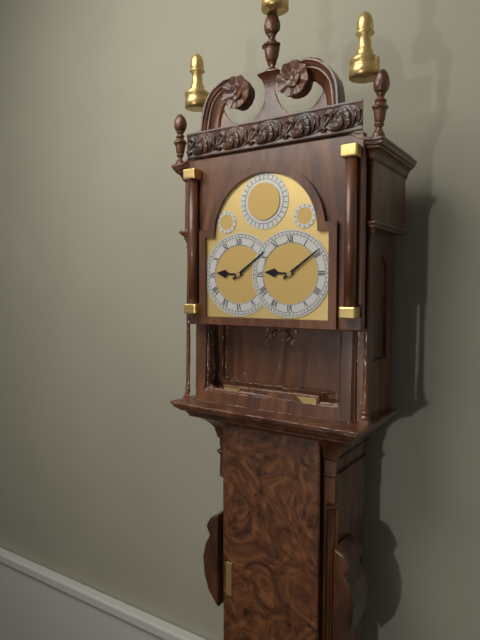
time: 9:09
